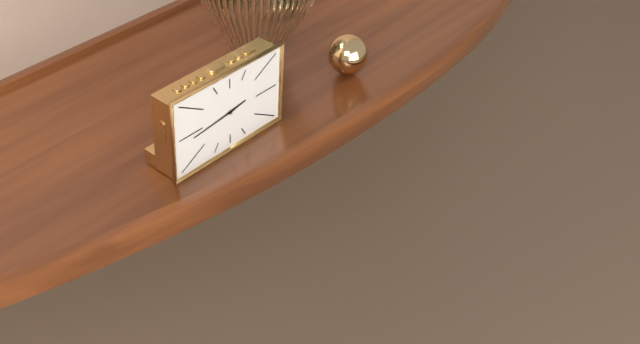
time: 2:44
